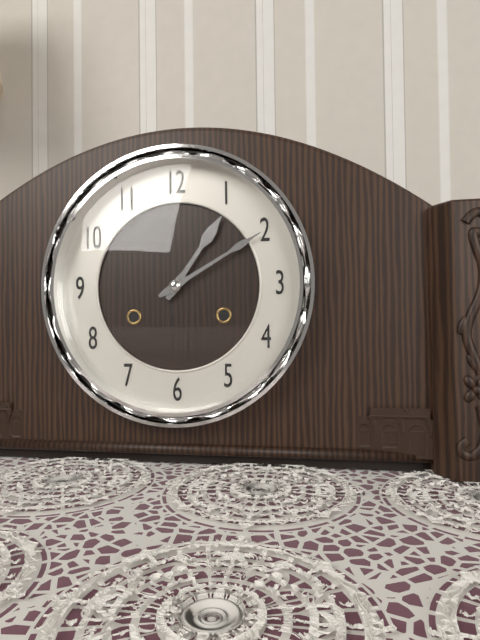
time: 1:10
